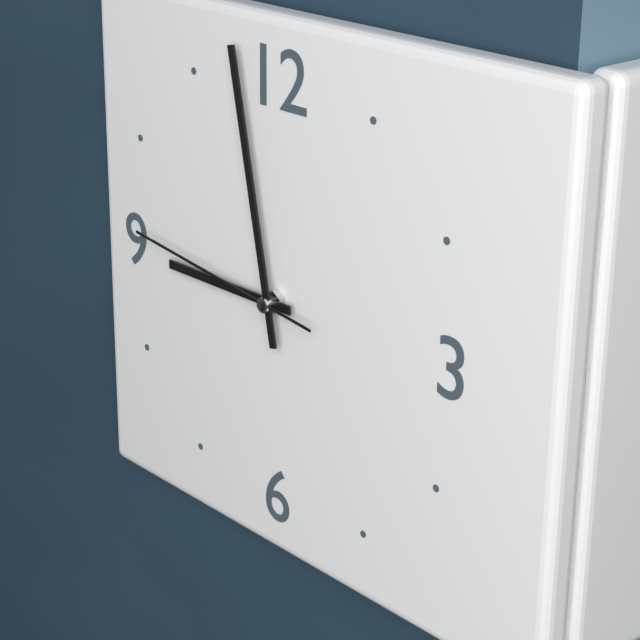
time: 8:58:46
